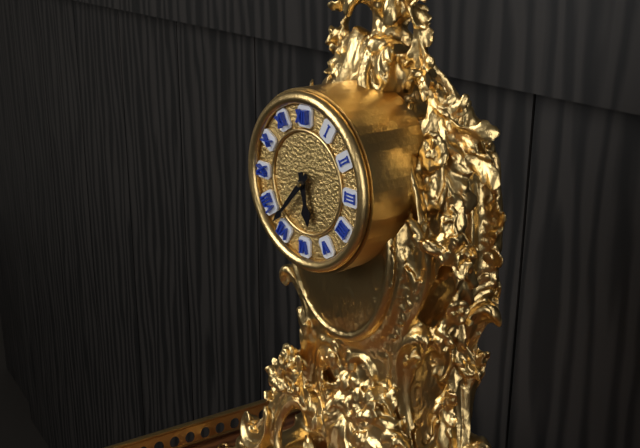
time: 5:37
